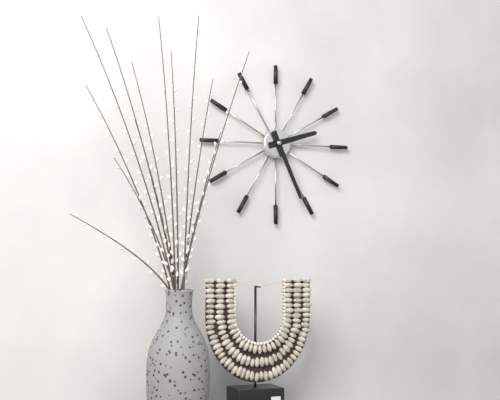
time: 2:26
